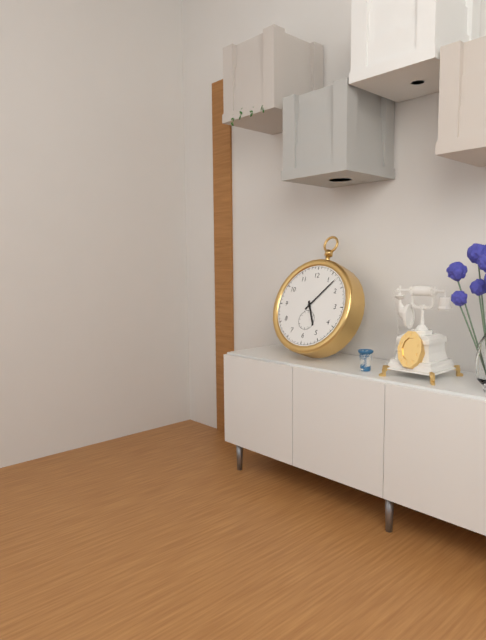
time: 5:07
